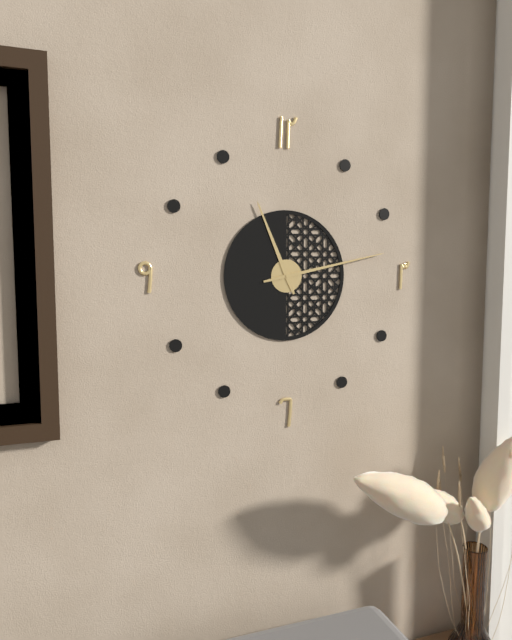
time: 11:13
